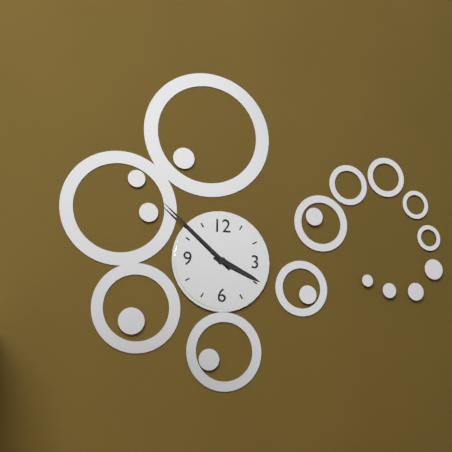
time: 3:52
